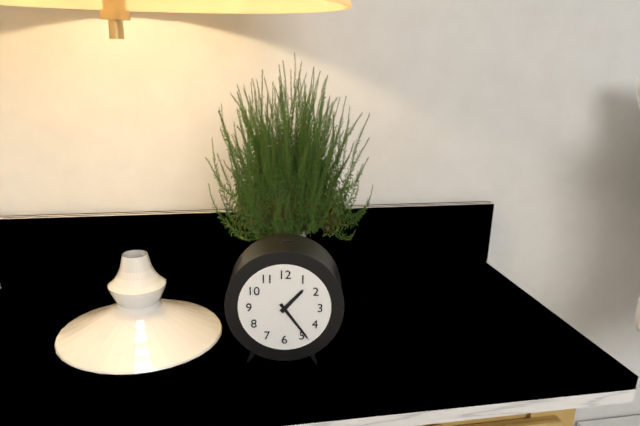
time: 1:24
